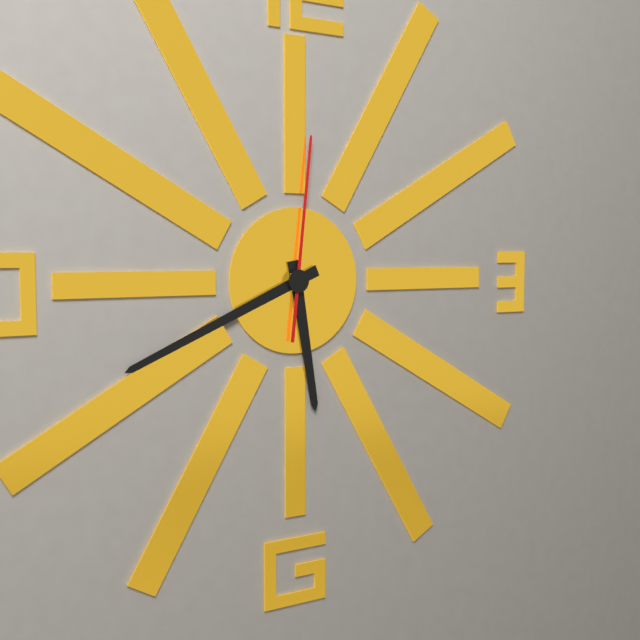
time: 5:41:01
